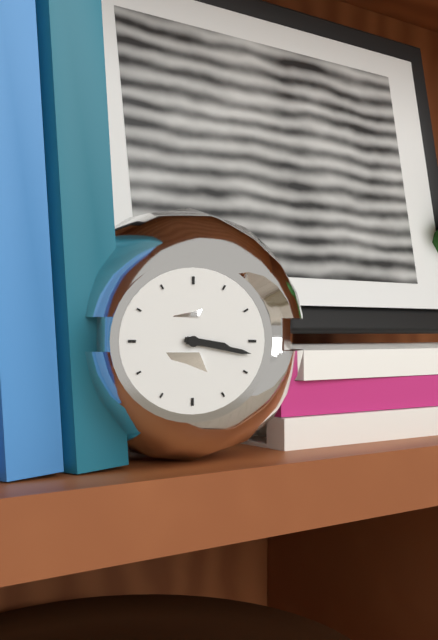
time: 3:17
